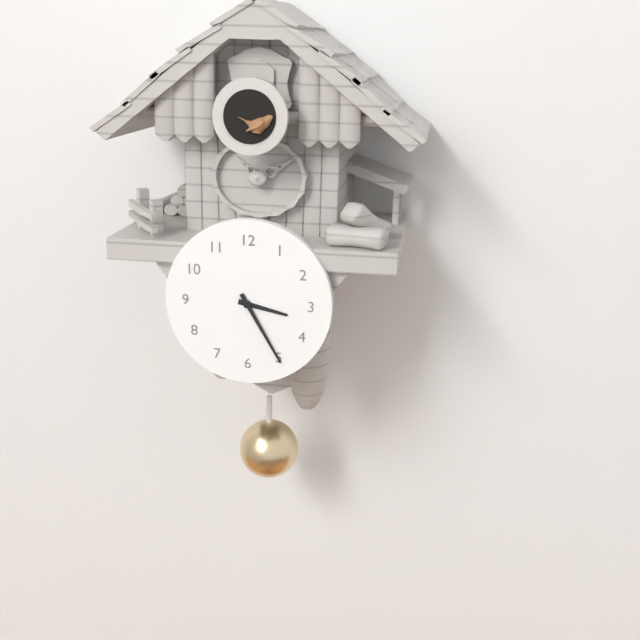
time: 3:25
